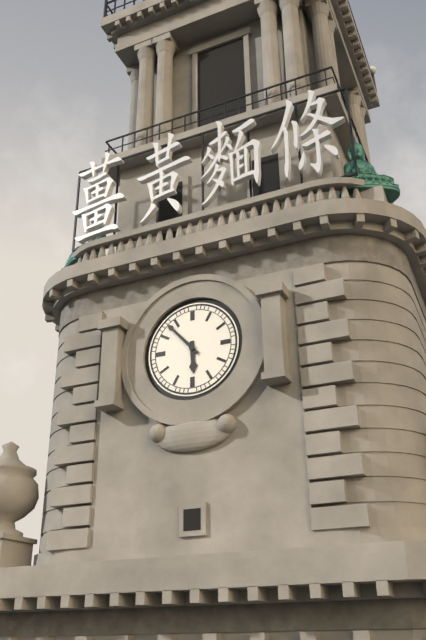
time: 5:53
